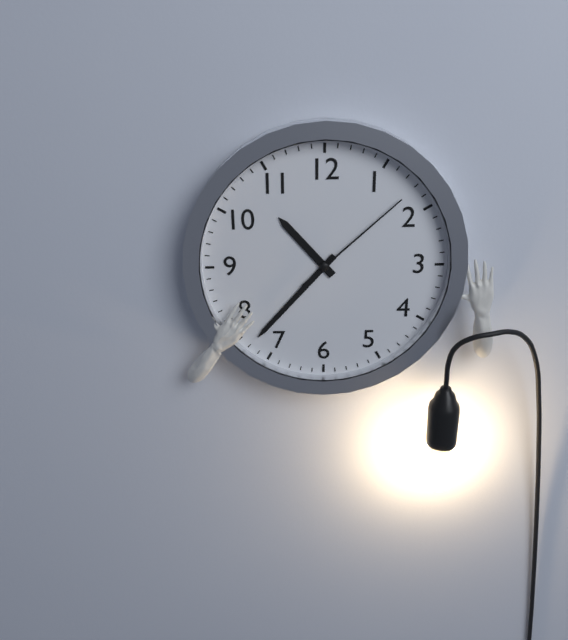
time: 10:37:08
